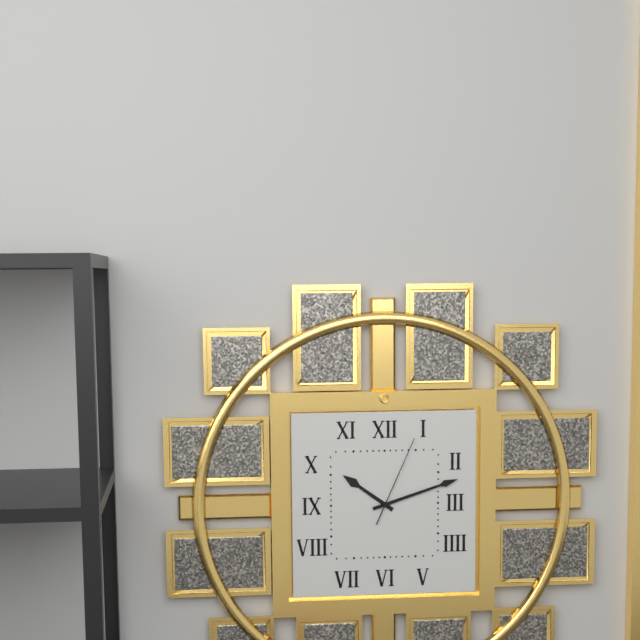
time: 10:12:04
